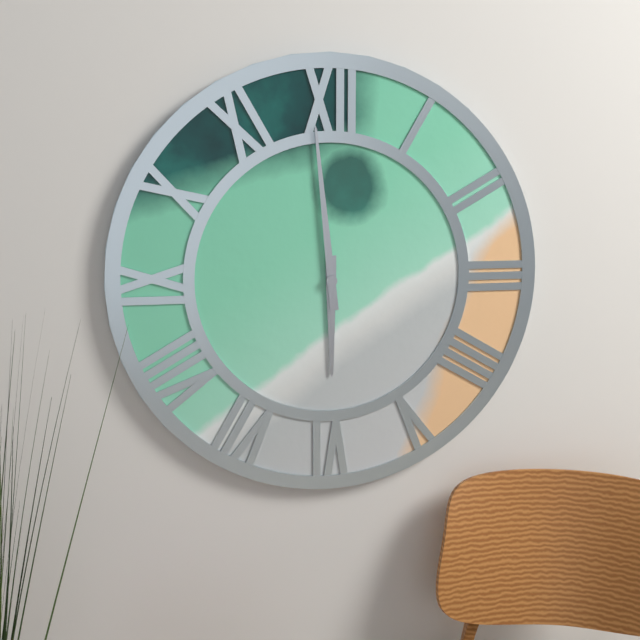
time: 5:59
